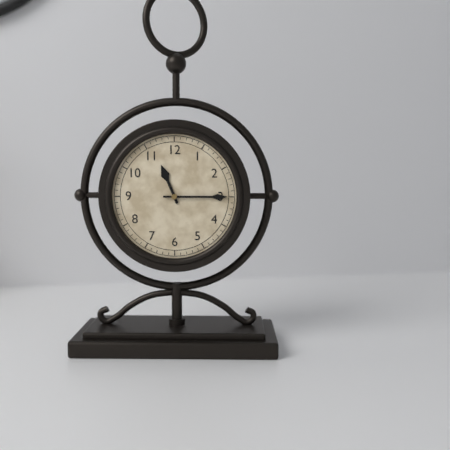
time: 11:15
